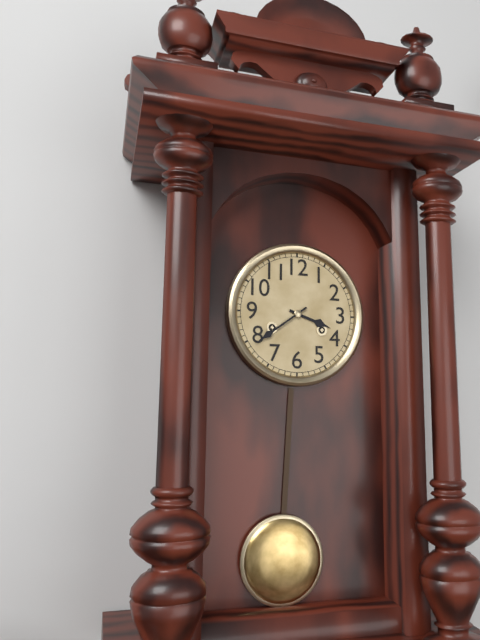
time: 3:39
